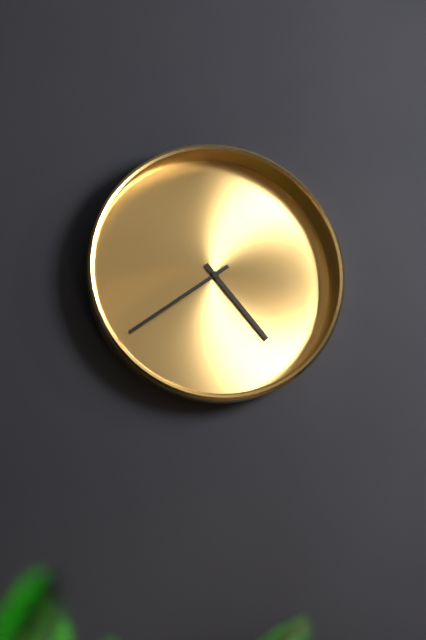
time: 4:39
